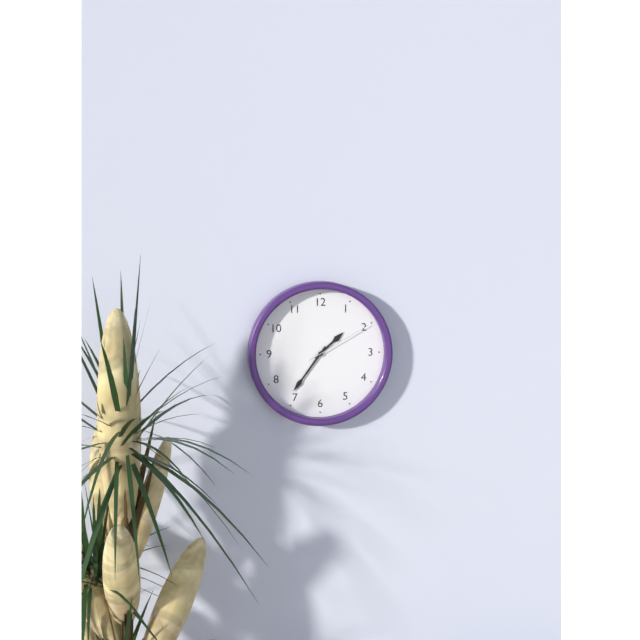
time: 1:36:10
